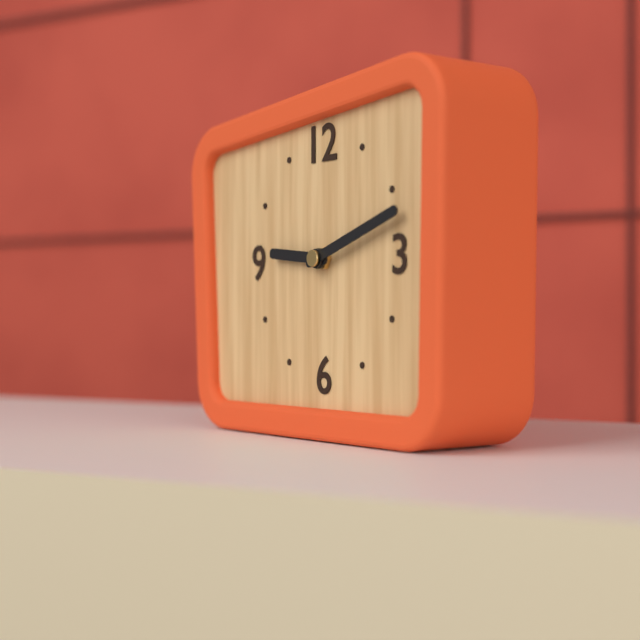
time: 9:12
